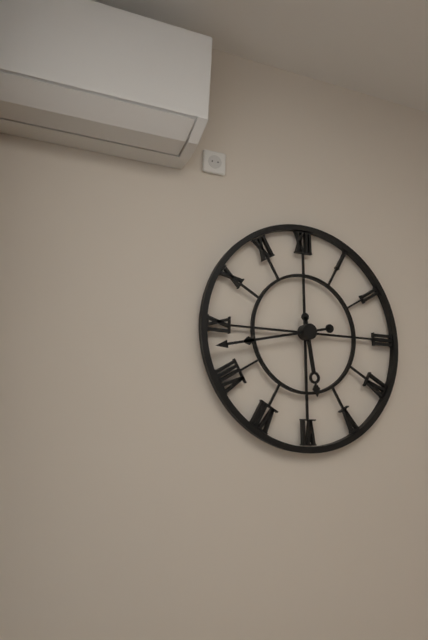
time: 5:43
